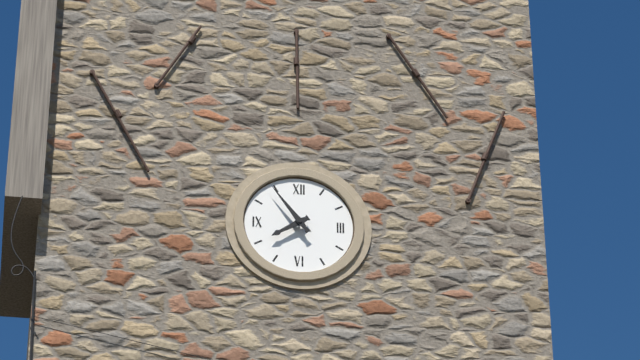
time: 7:54
